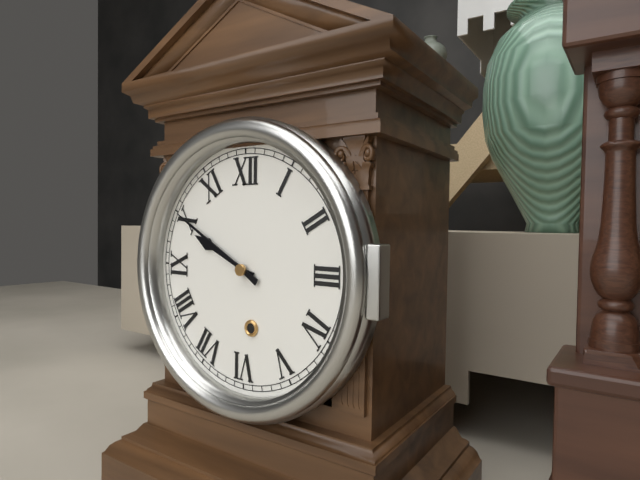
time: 9:50
